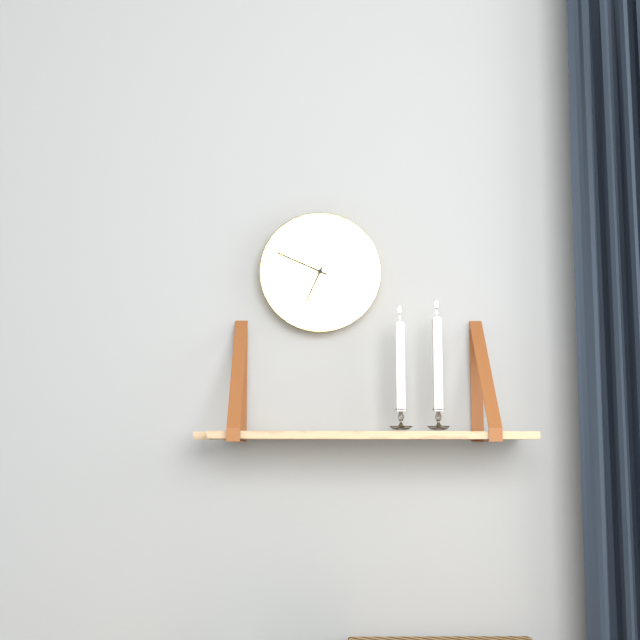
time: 6:49
